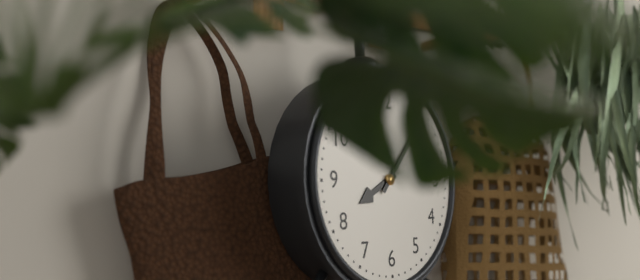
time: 8:07
